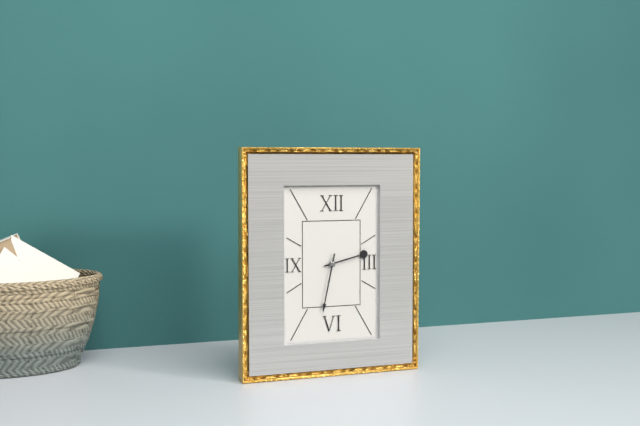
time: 2:32
